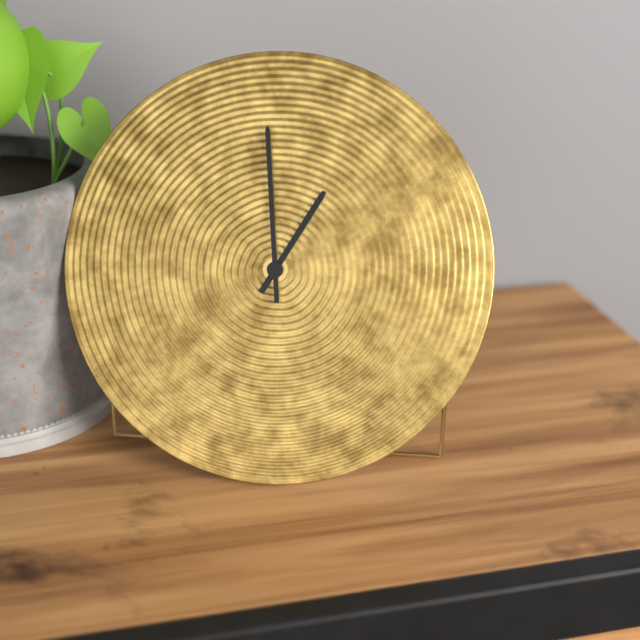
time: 12:59
